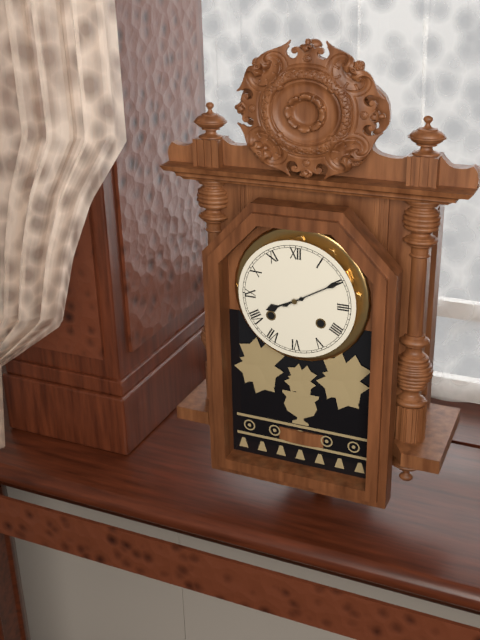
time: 8:10
